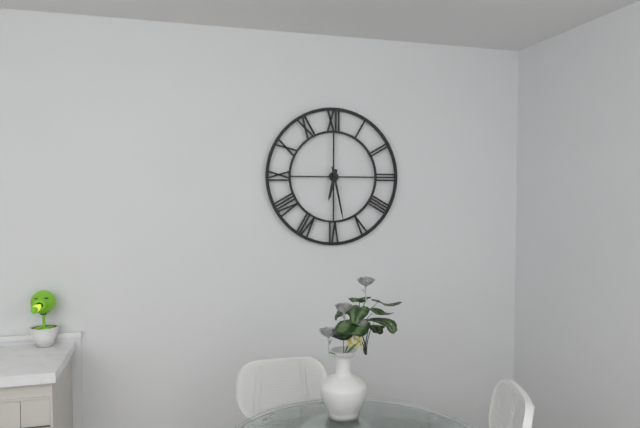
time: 6:28
